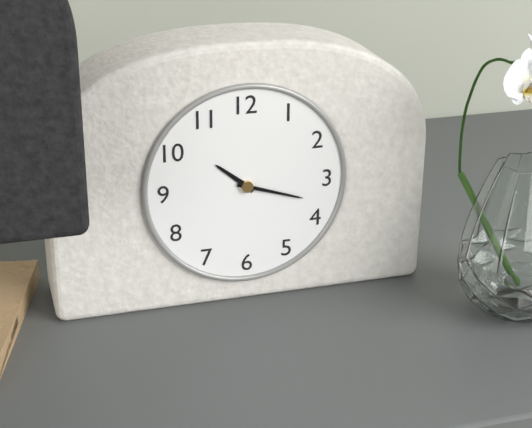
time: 10:18
